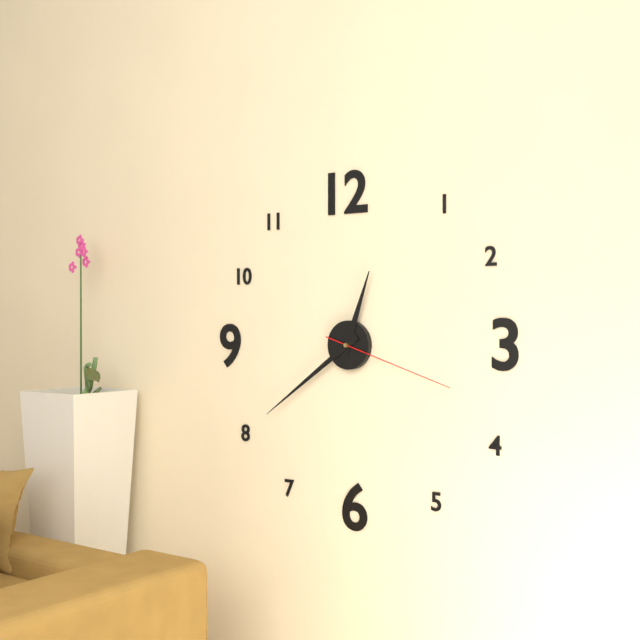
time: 12:39:18
